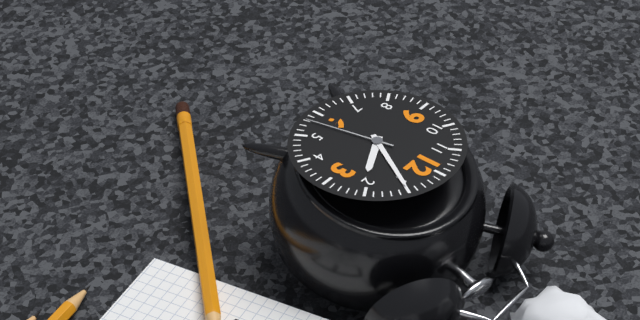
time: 2:05:28
